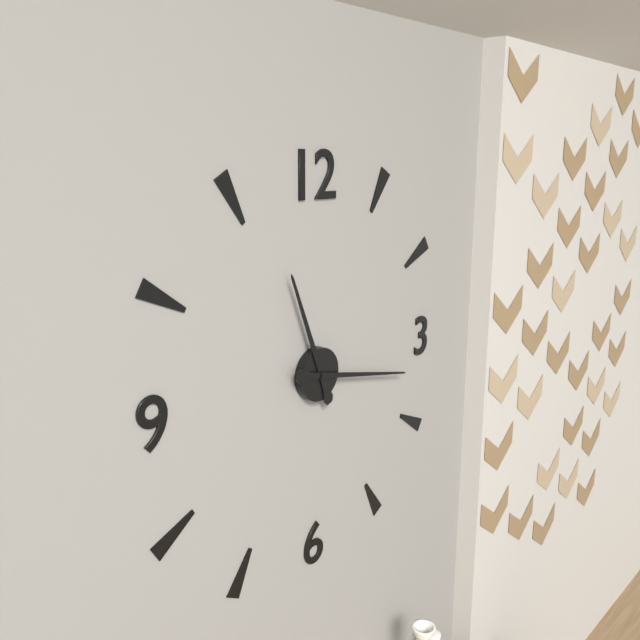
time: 11:17
